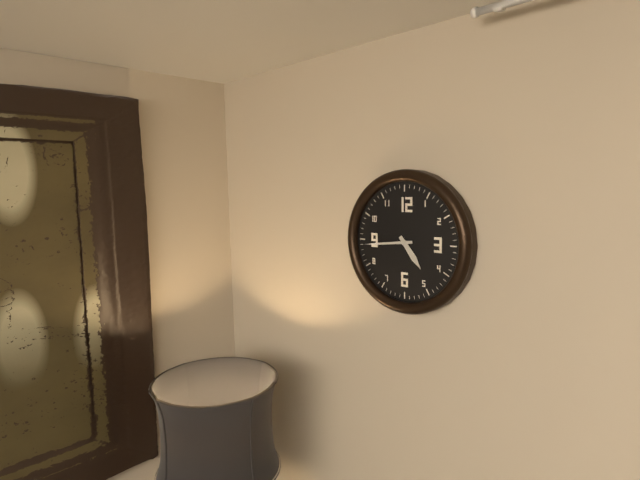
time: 4:44
